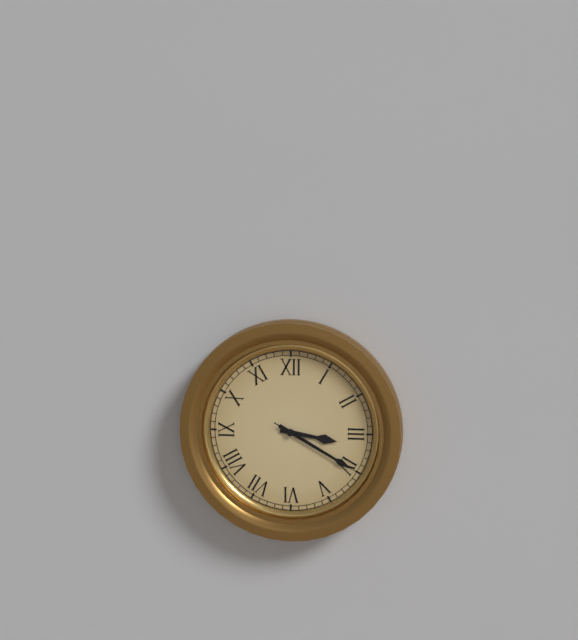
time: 3:20:20
